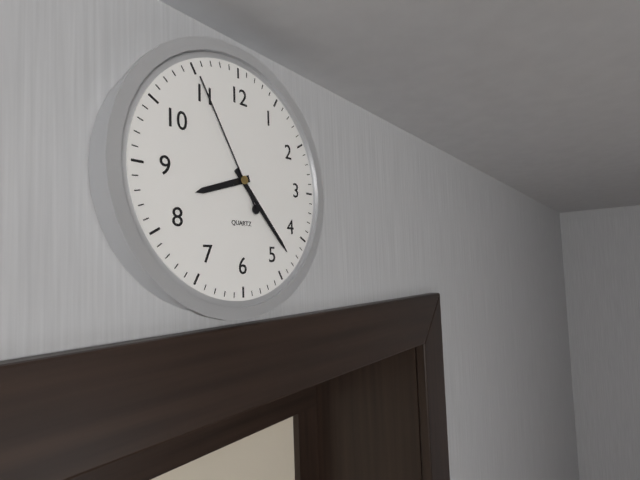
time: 8:23:55
